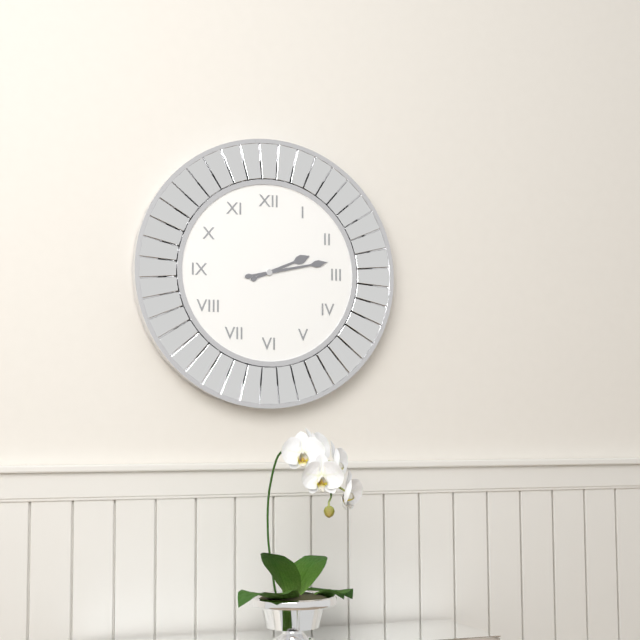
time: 2:13
